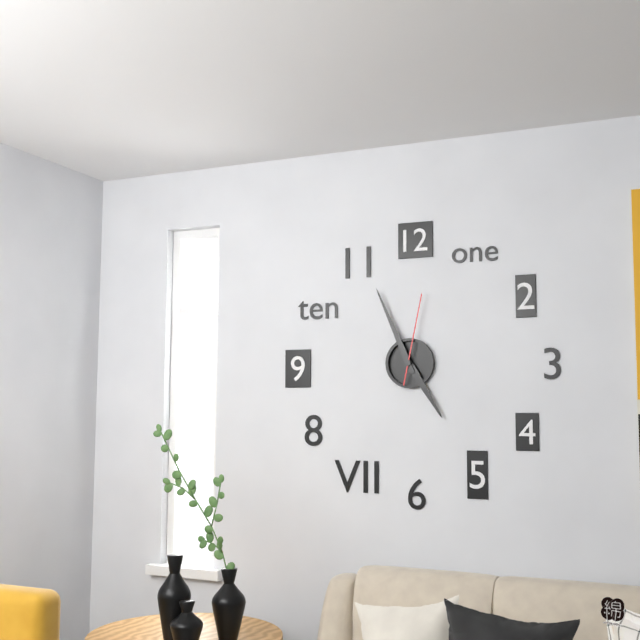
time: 4:56:02
